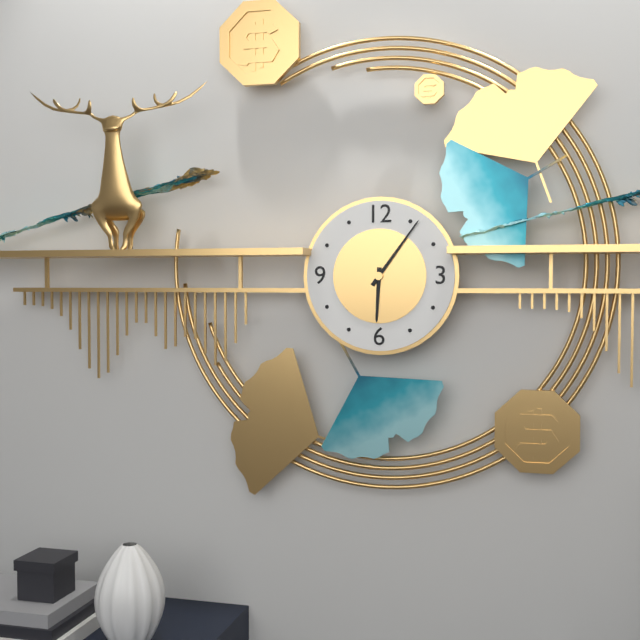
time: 6:06
